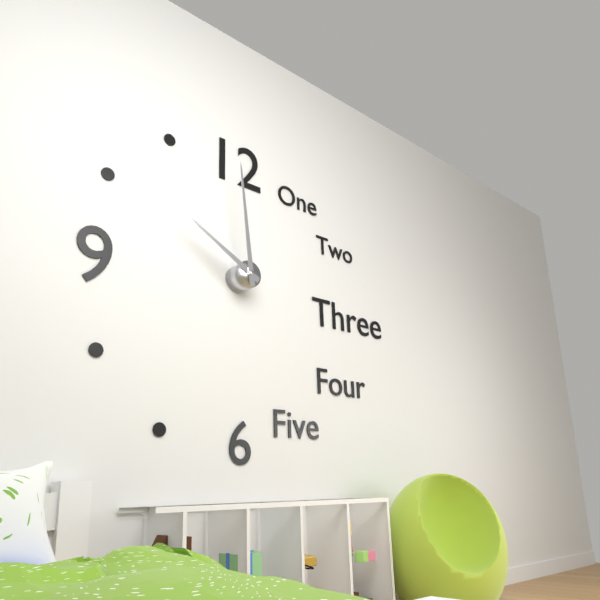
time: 9:59
